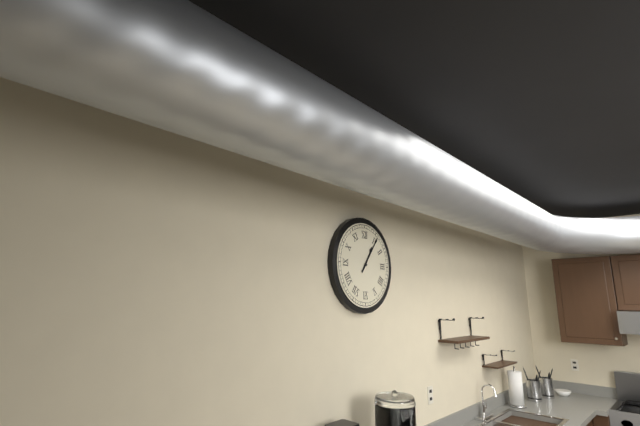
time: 1:06
